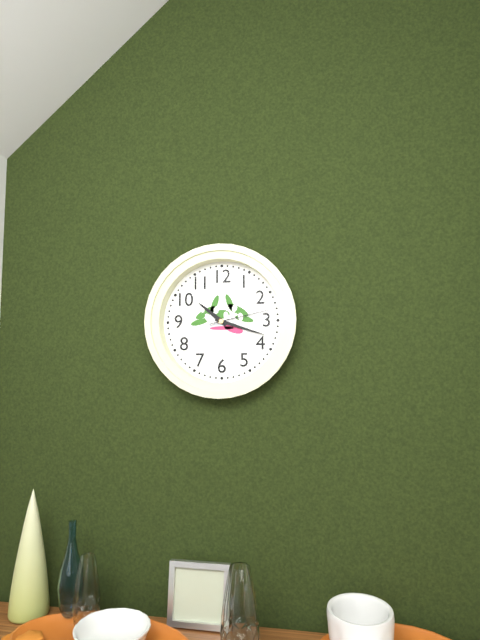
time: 10:18:13
